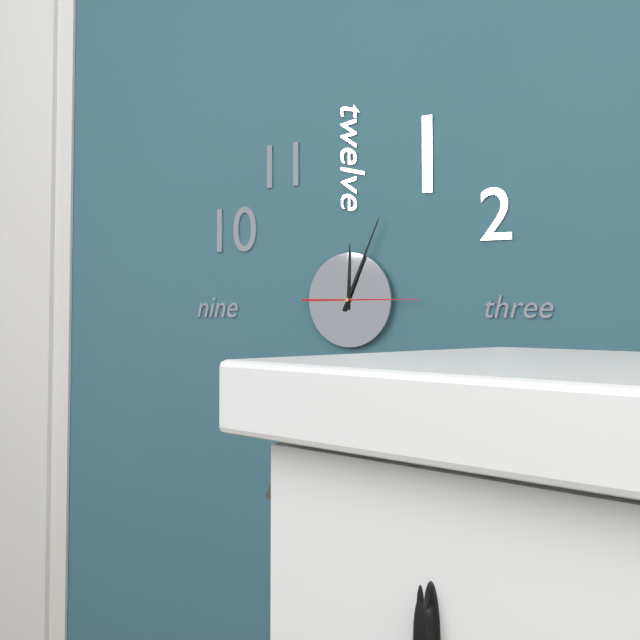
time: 12:04:15
